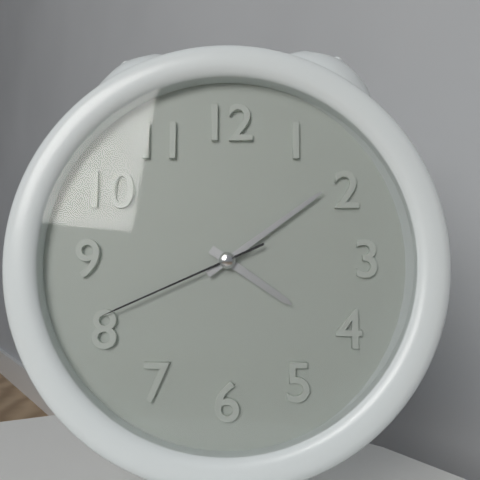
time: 4:09:41
